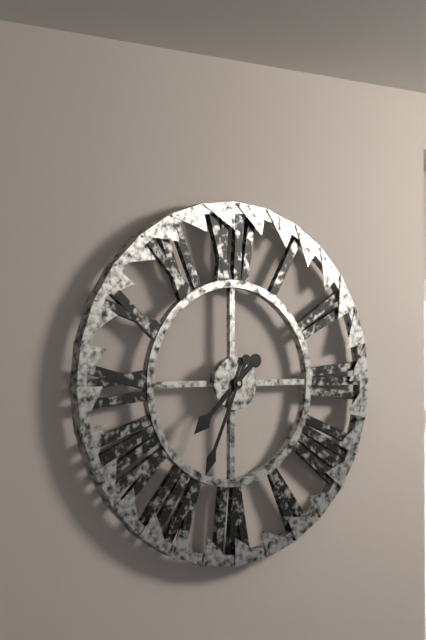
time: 7:34
